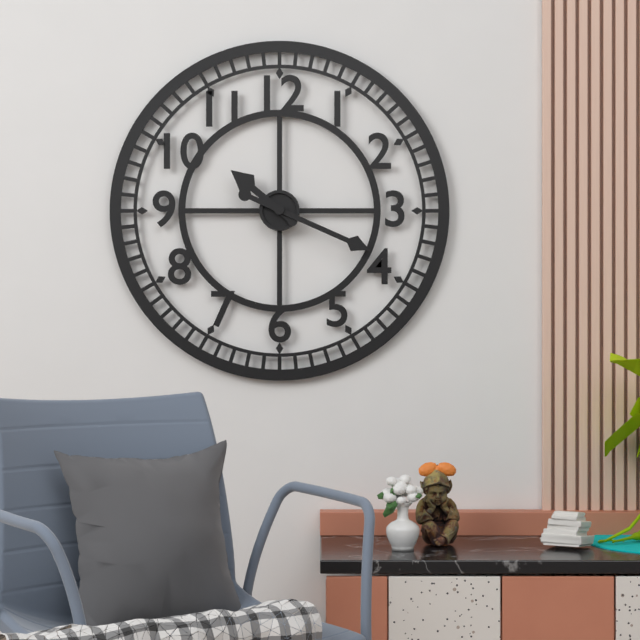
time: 10:19
